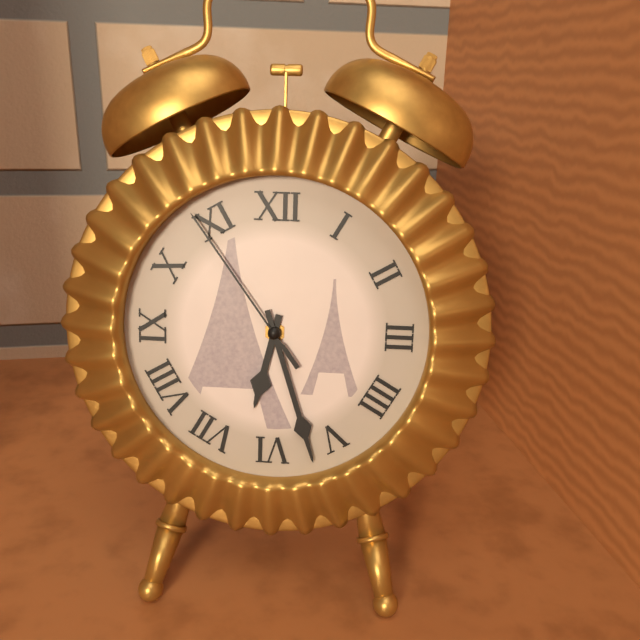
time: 6:27:54
